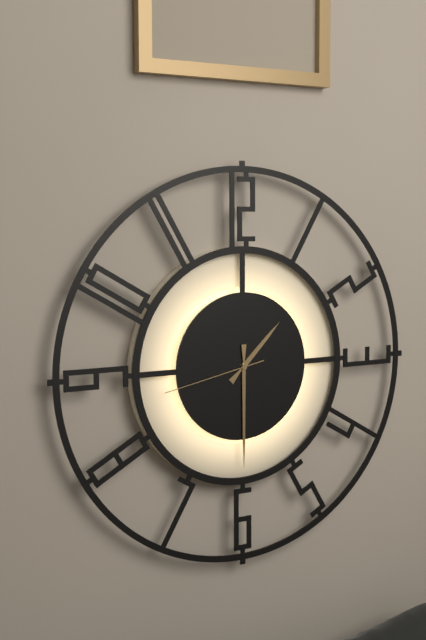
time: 1:30:43
